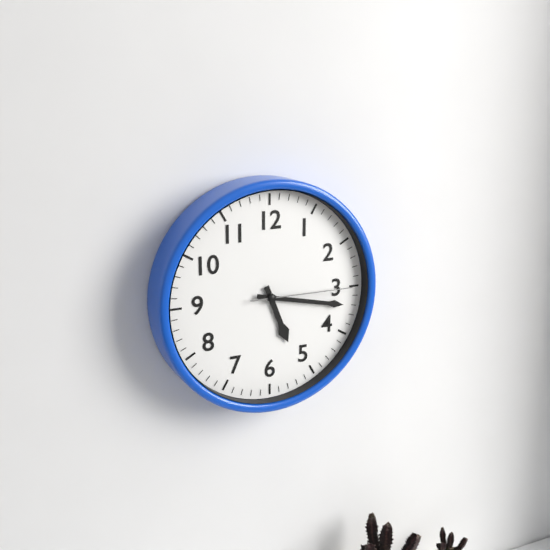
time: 5:17:15
